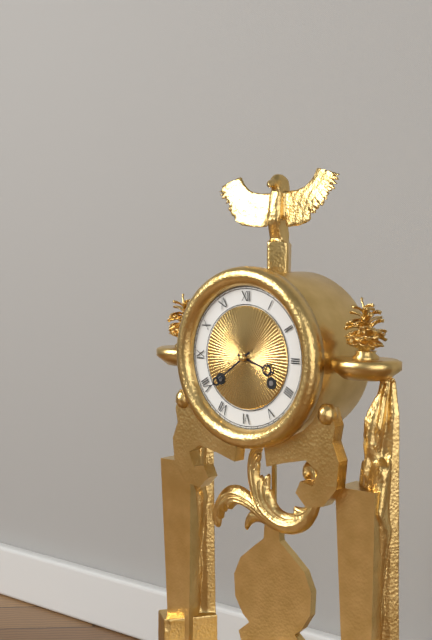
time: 3:39
